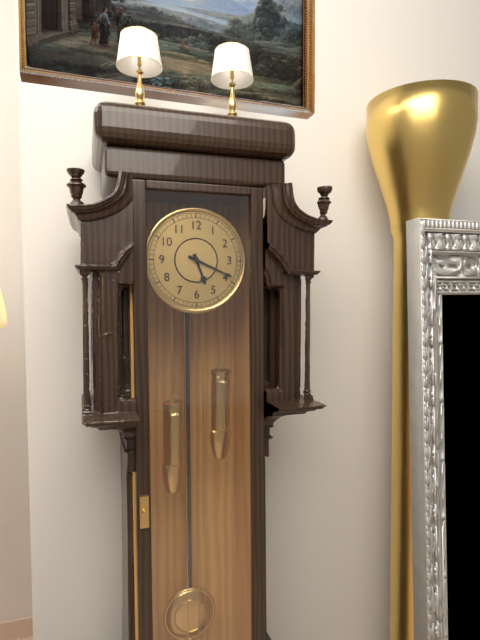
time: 5:19
